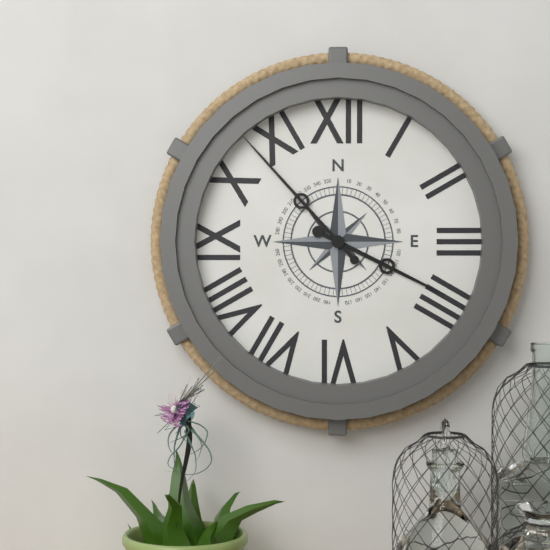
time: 3:53
